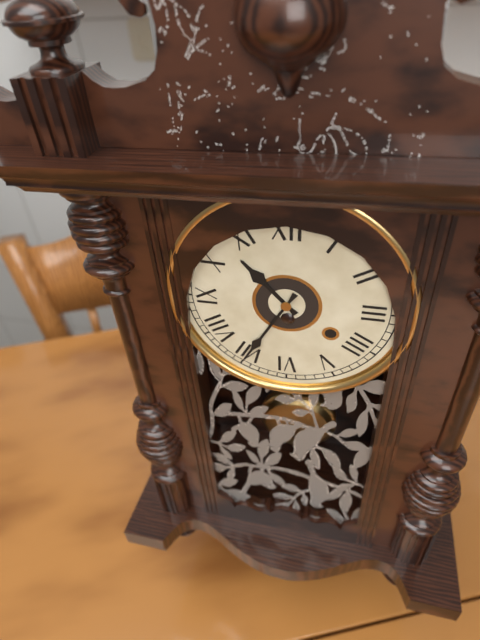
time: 10:35
